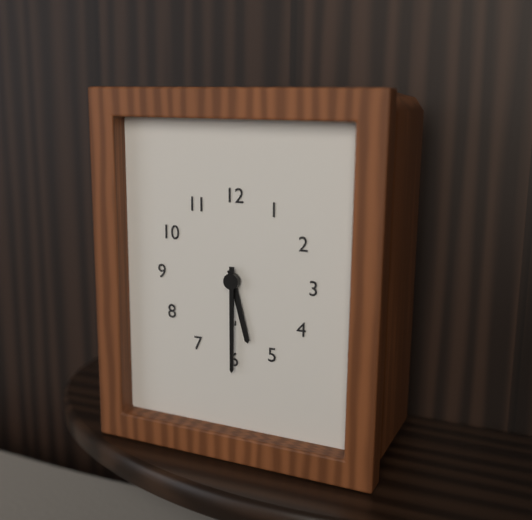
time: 5:30
